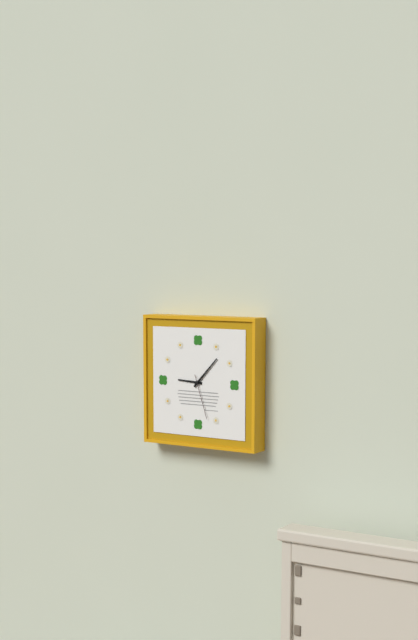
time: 9:07
